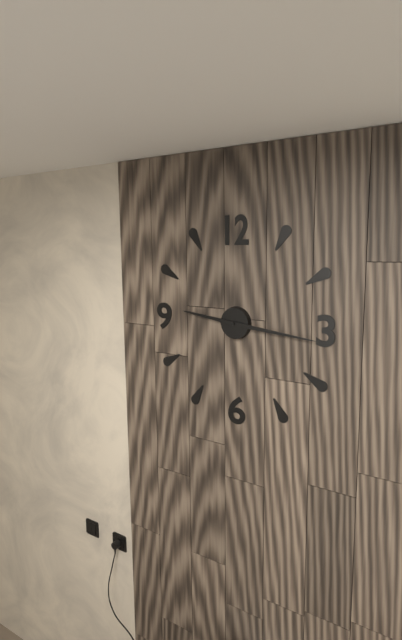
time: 9:16
